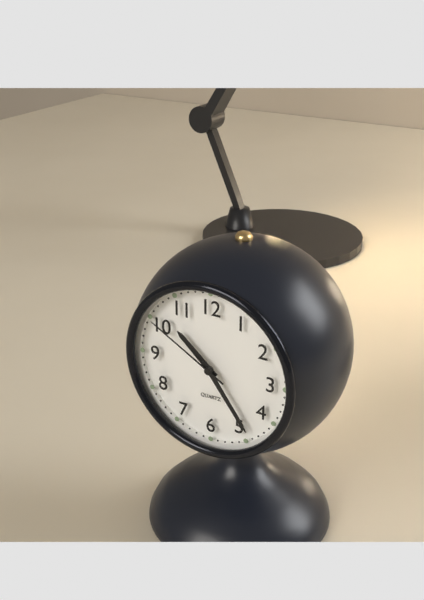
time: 10:24:50
